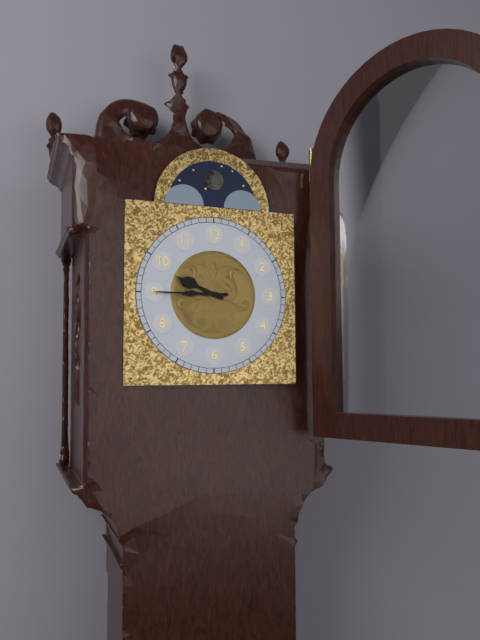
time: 9:45
